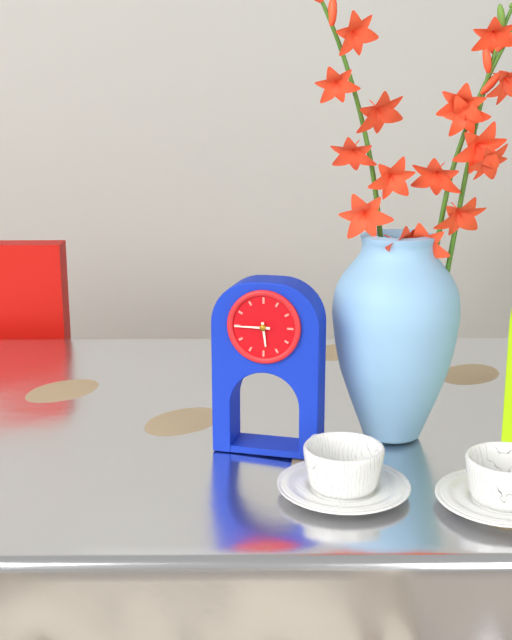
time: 5:45
